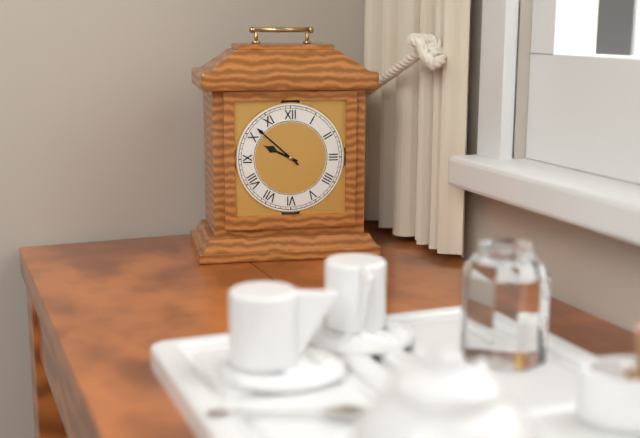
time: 9:52
